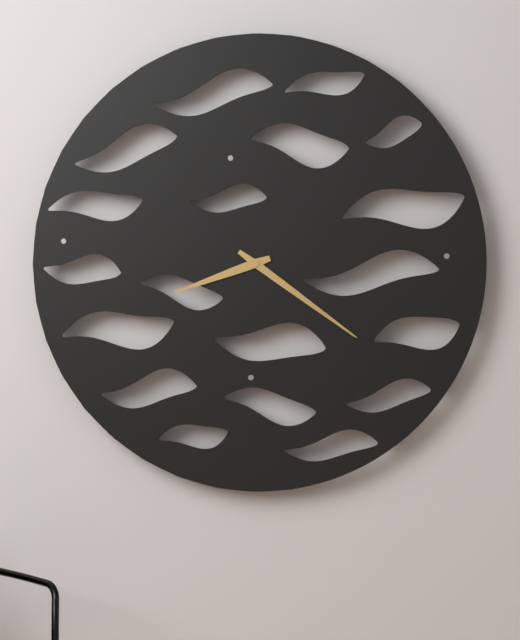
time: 8:21
